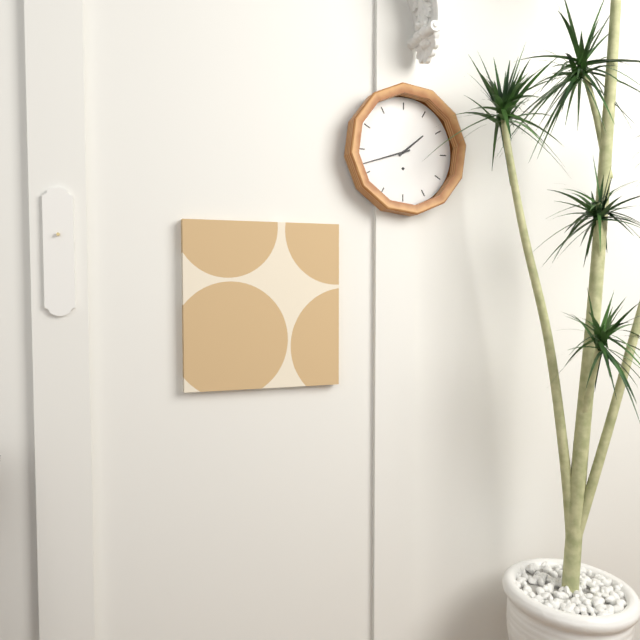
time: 1:42
